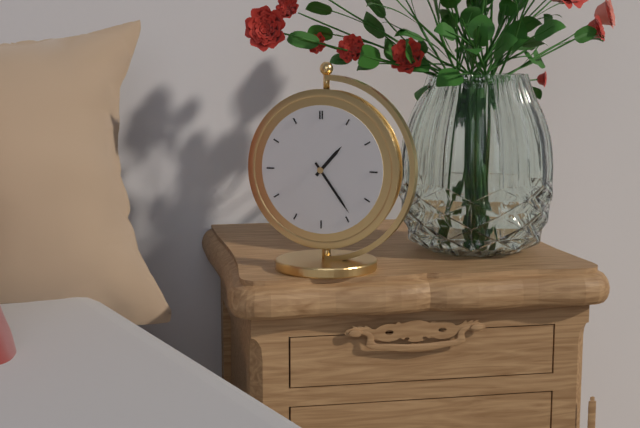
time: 1:24
